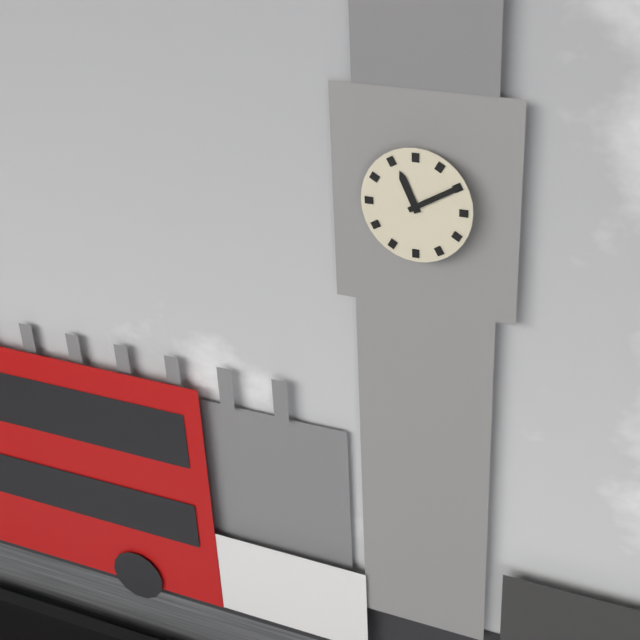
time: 11:10
